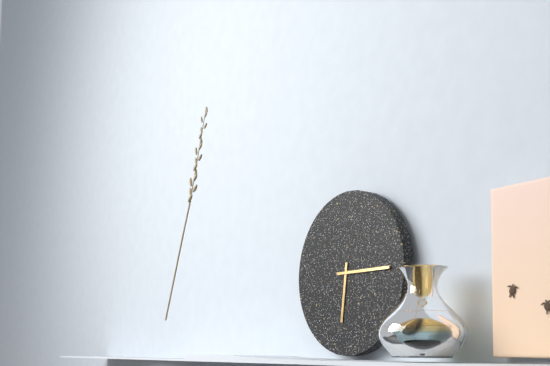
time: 6:15
